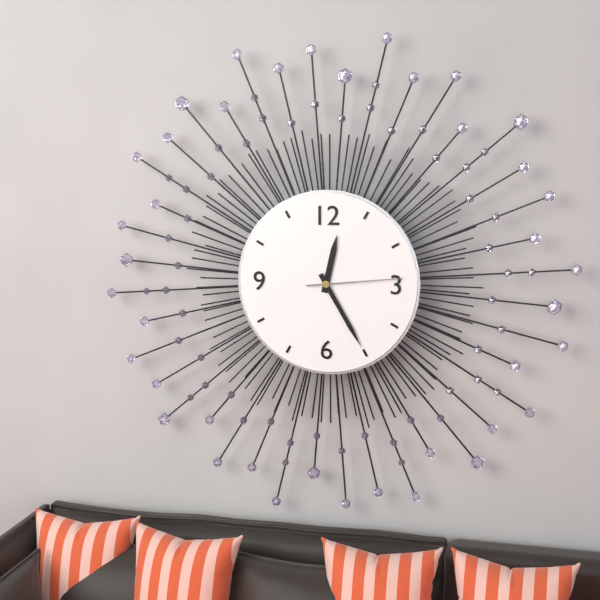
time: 12:25:14
